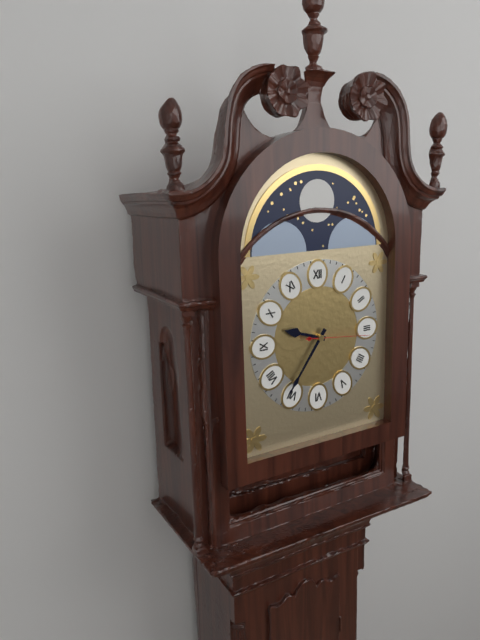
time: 9:36:16
